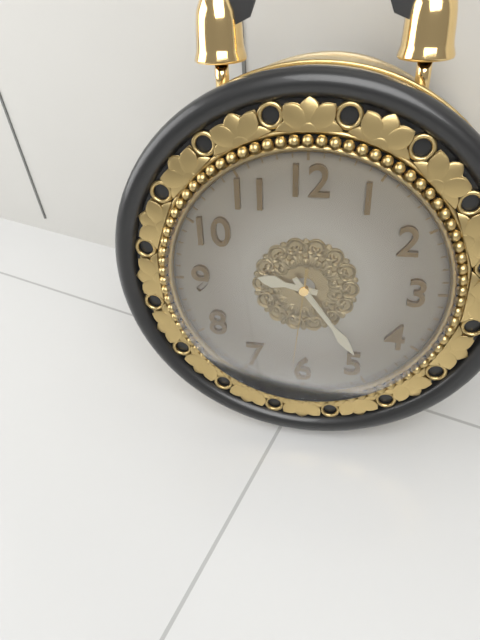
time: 9:24:31
